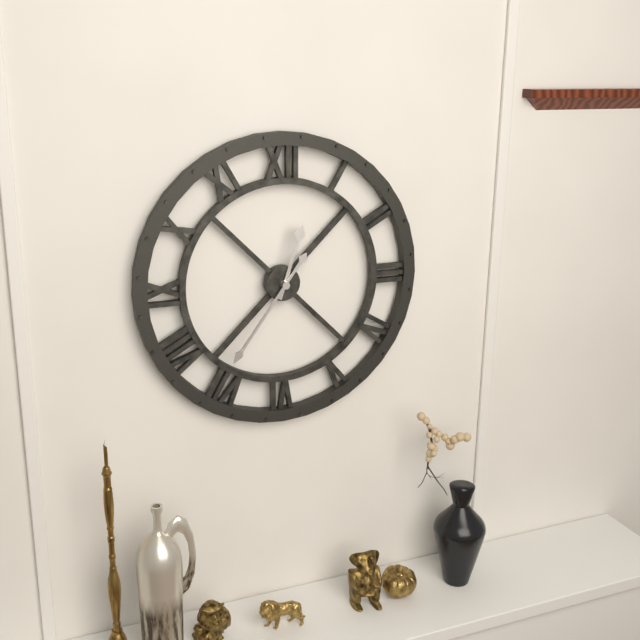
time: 12:36
